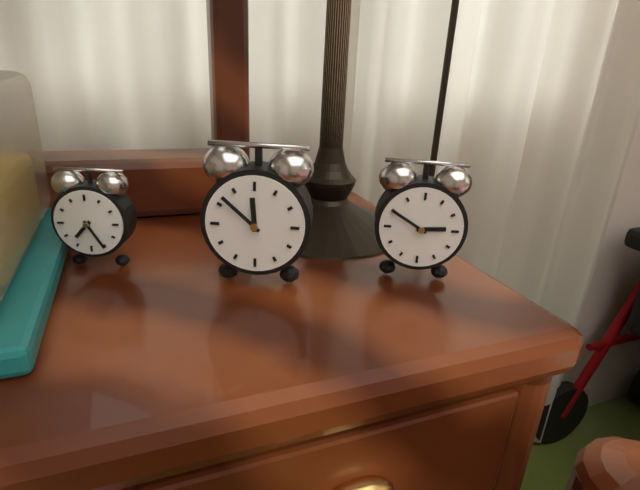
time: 11:52
